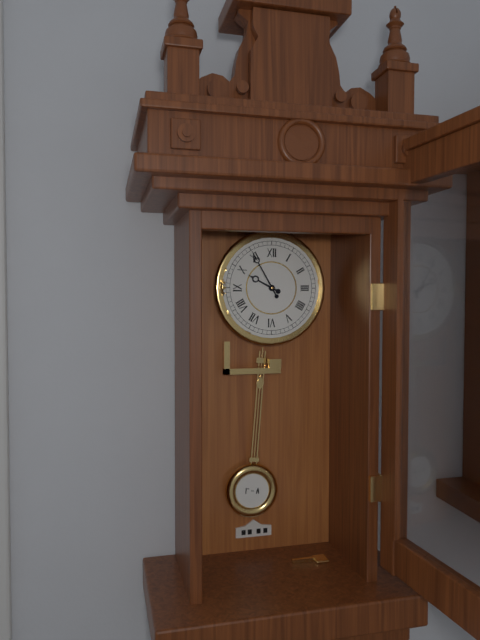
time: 9:55
